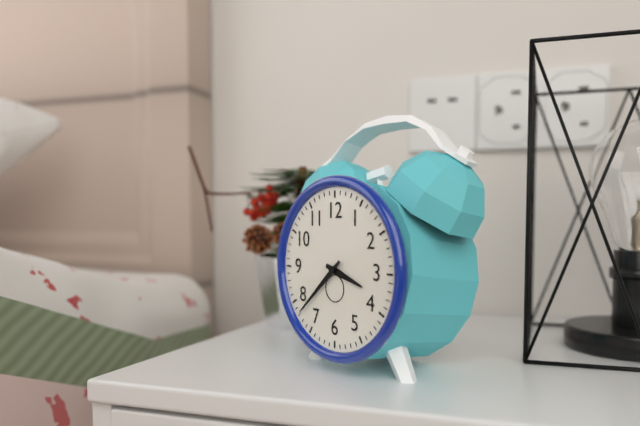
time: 3:38
